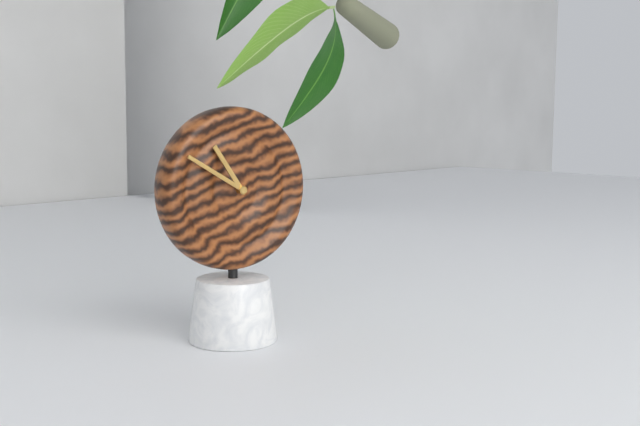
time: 10:50
